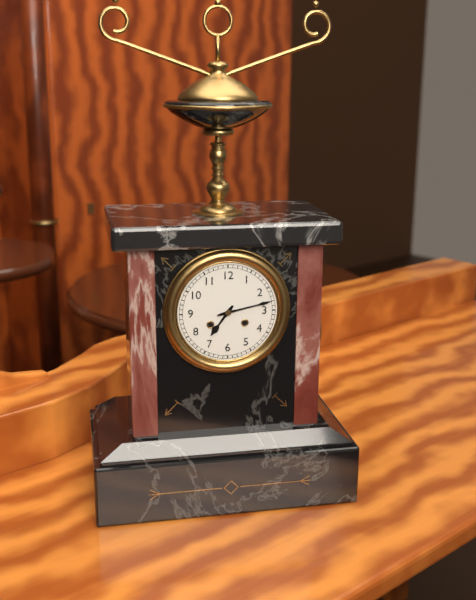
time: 7:13
